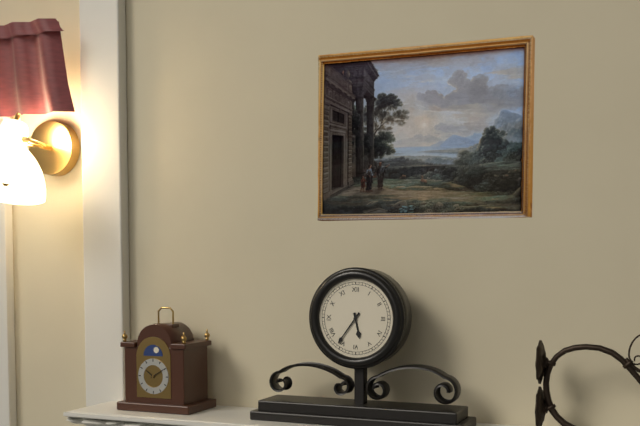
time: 5:36
